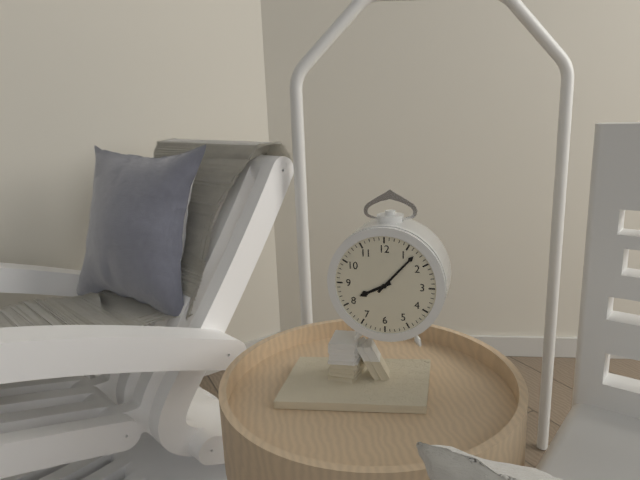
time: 8:07
